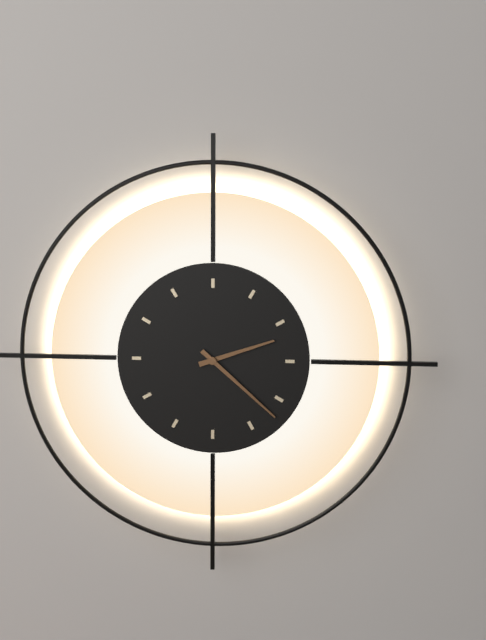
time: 2:22
